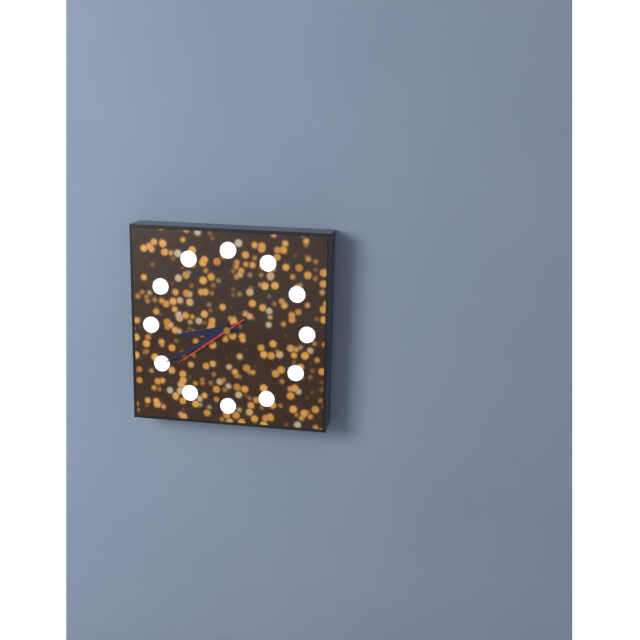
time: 8:40:39
